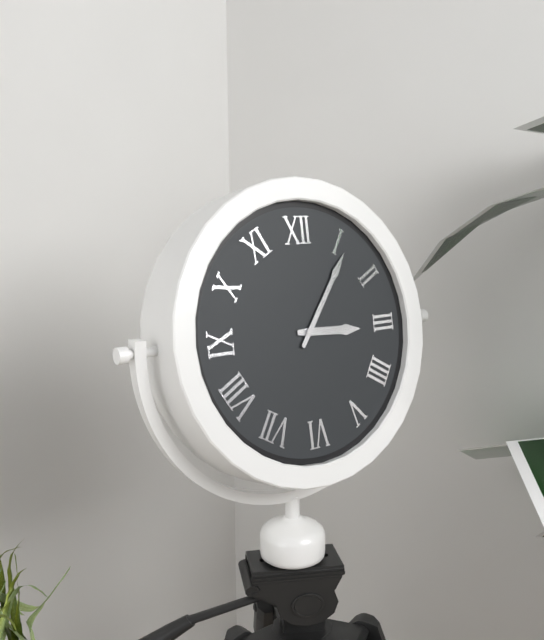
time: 3:06
